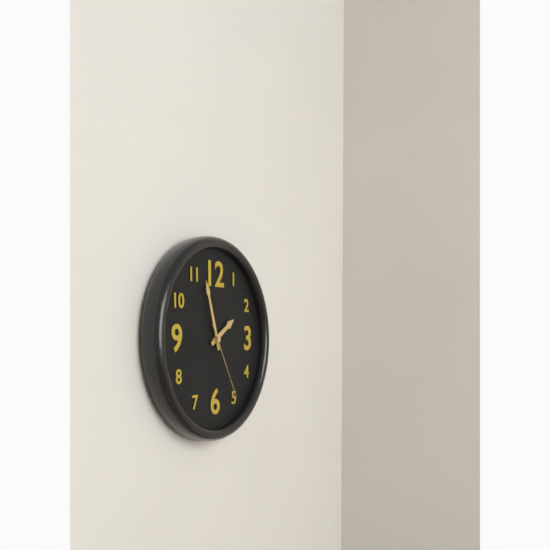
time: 1:57:25
